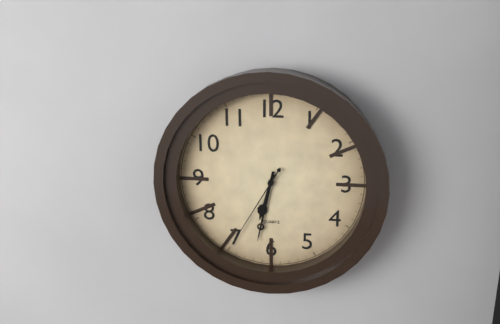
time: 6:32:35
